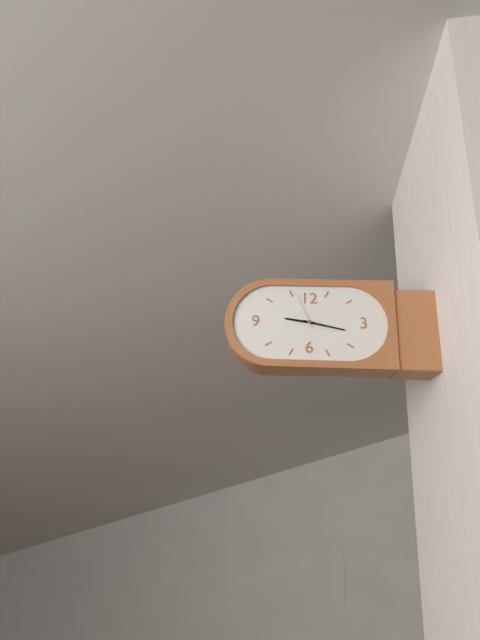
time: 9:17
